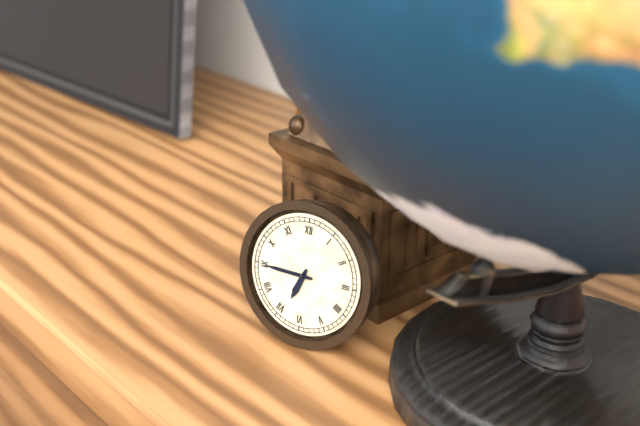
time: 6:45
